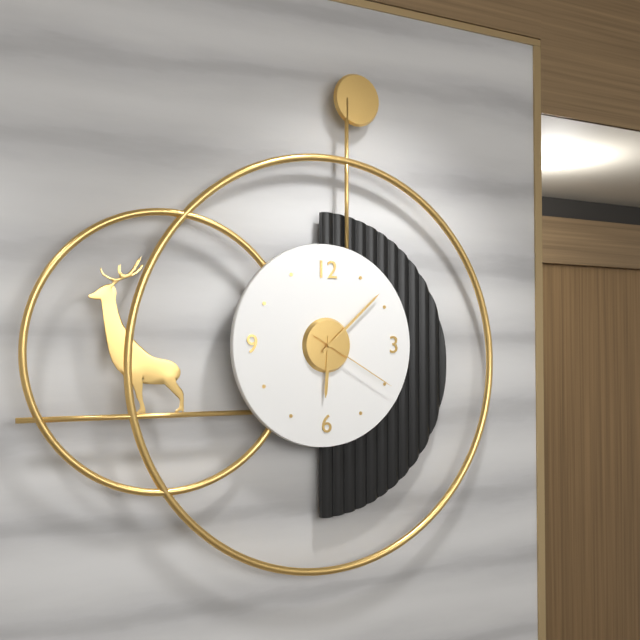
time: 6:08:20
